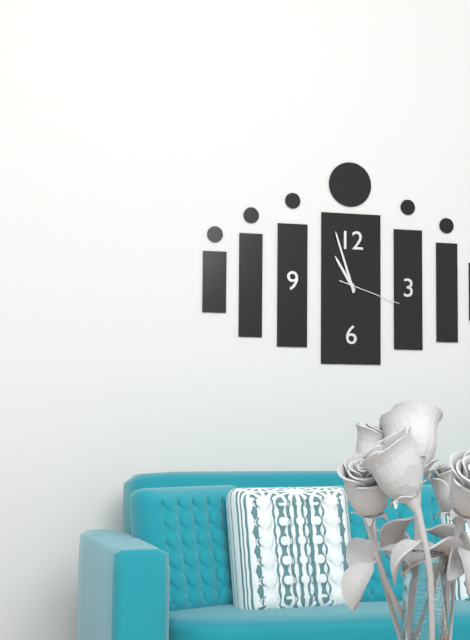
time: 10:57:18
